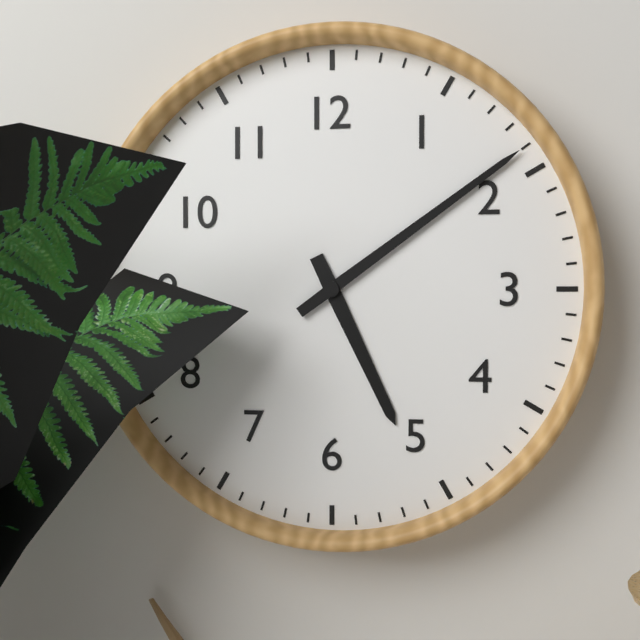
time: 5:09
